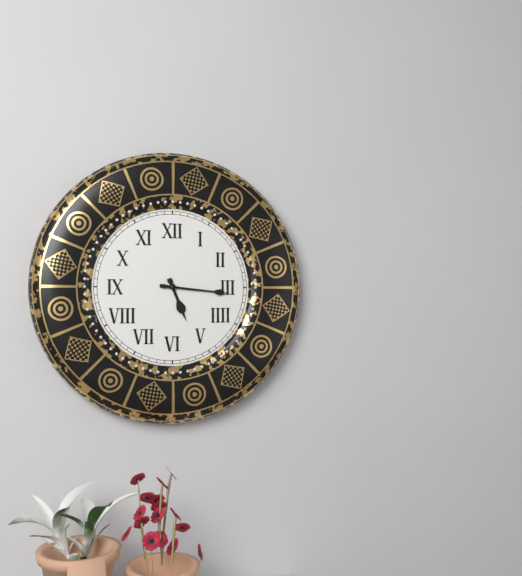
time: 5:16
